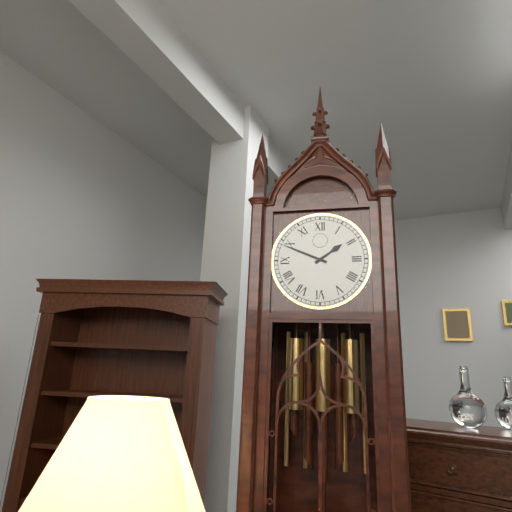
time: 1:49
